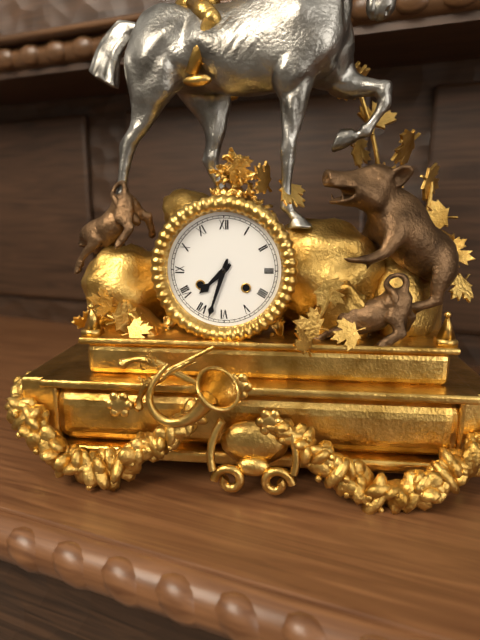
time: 7:33
